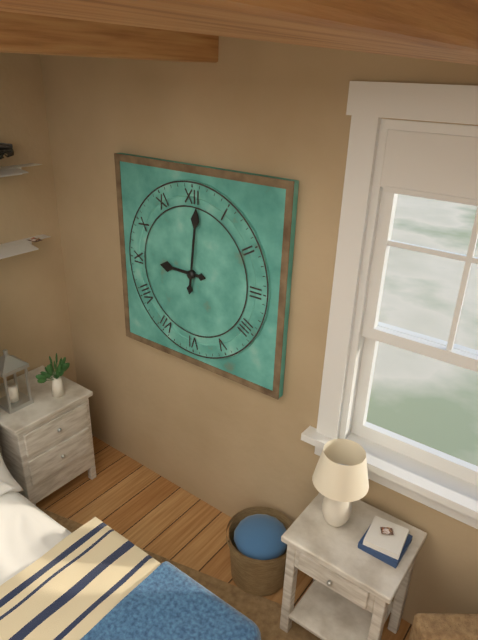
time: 9:01
